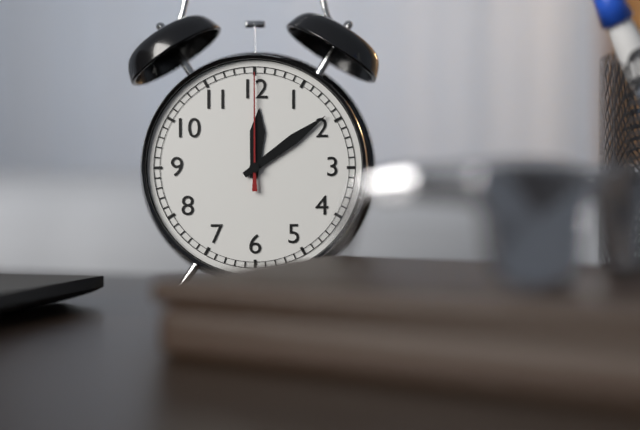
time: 12:09:00
